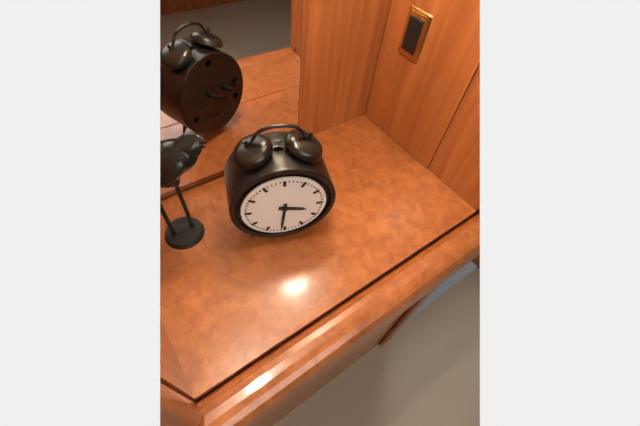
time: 3:31
